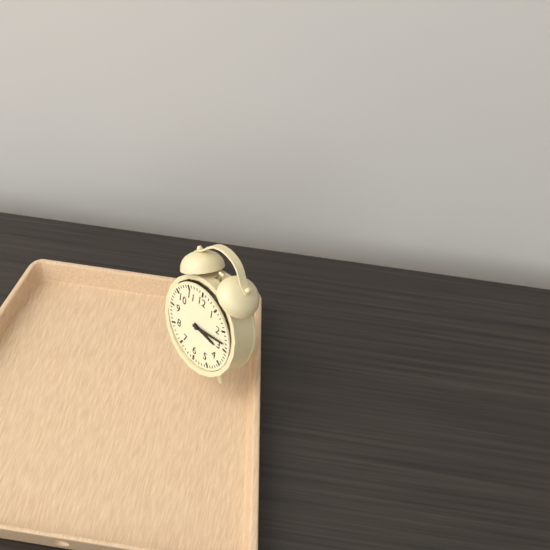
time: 3:13
